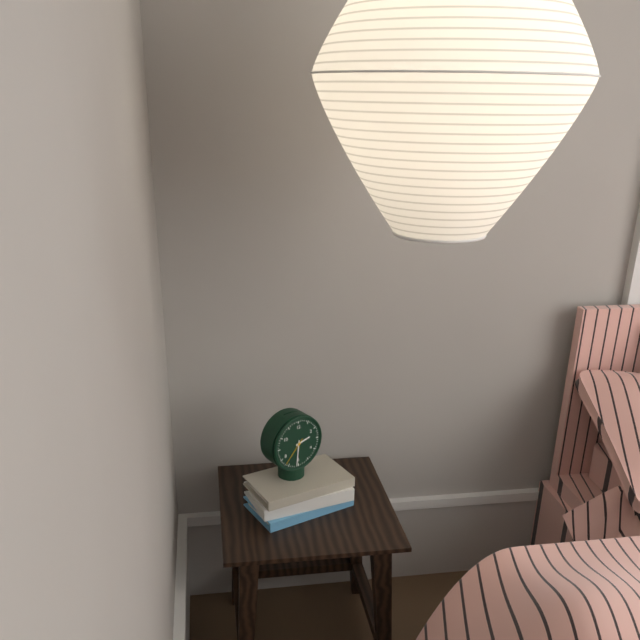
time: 2:31
